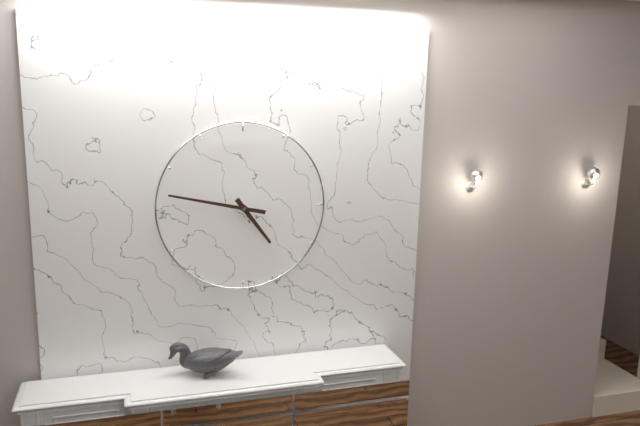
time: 4:47
